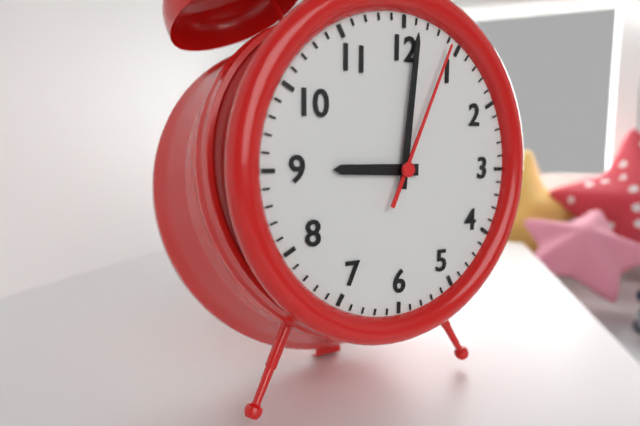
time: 9:01:04
